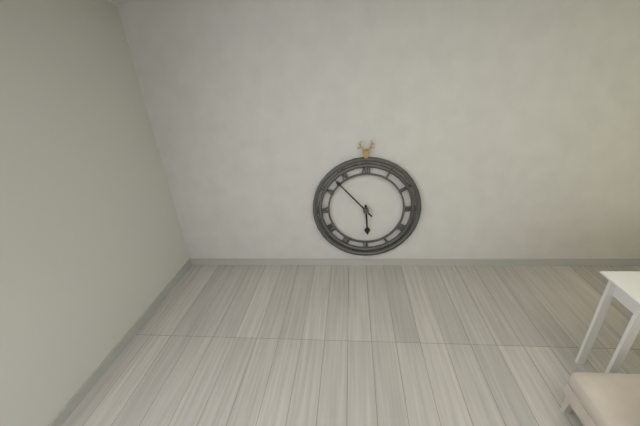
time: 5:53
